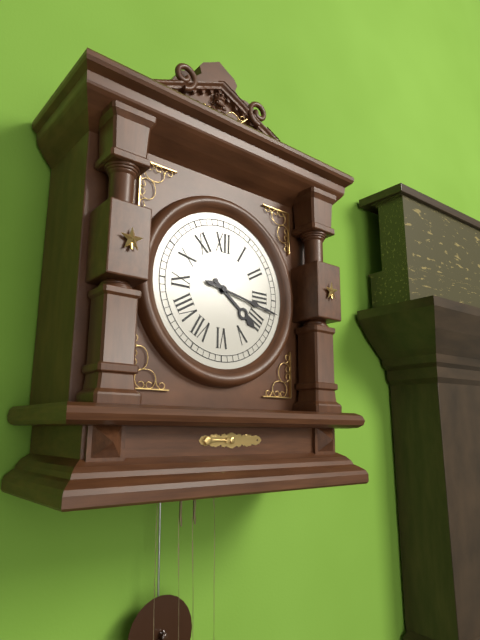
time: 4:17
